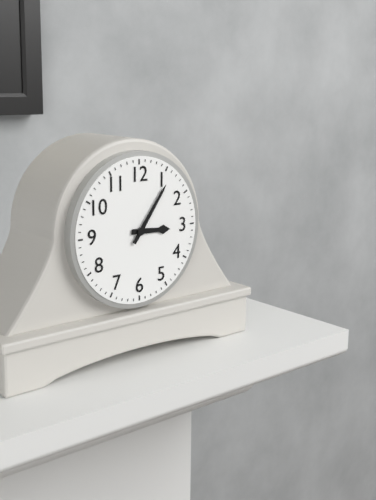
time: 3:06
